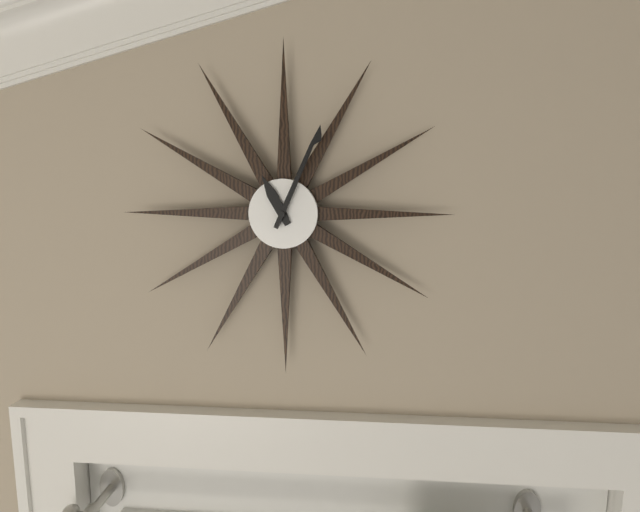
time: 11:04
